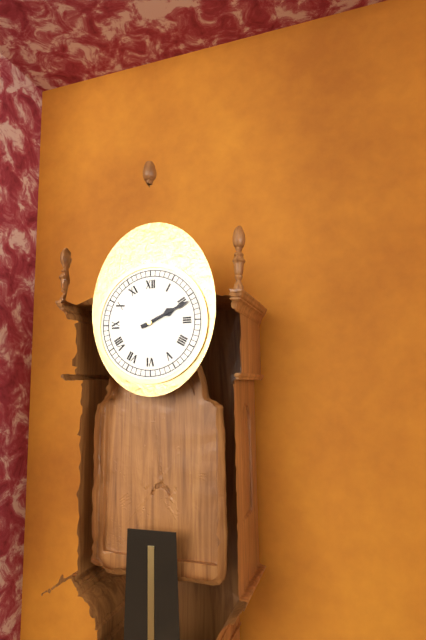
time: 2:11
